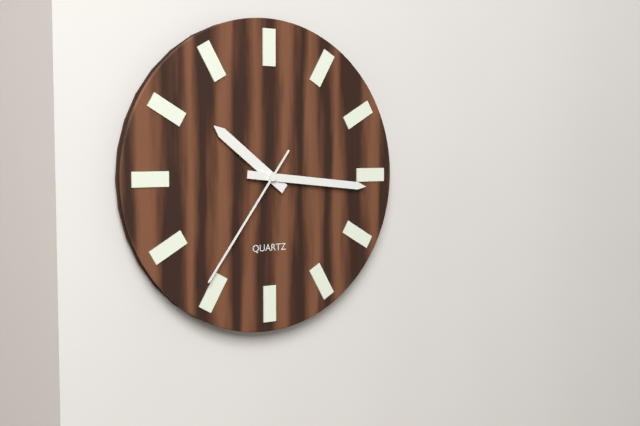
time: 10:16:36
